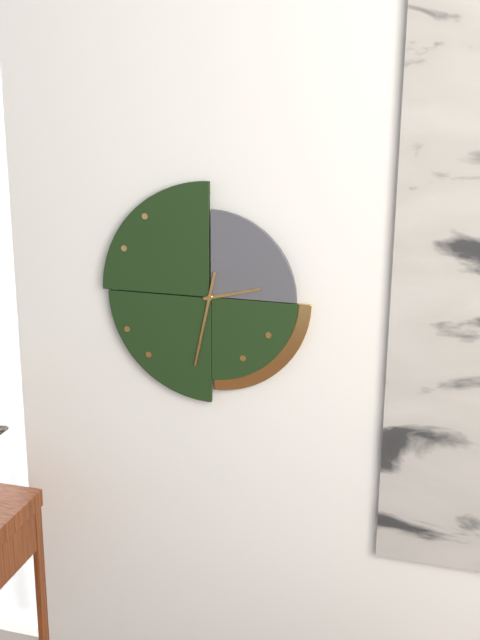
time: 2:32
